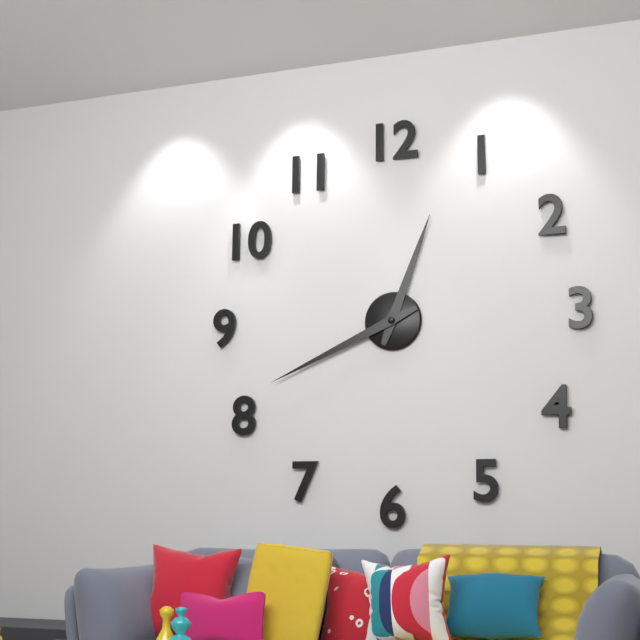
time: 12:41
